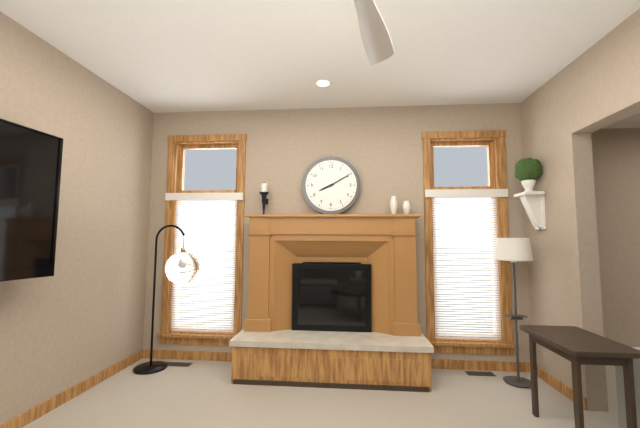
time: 8:10
